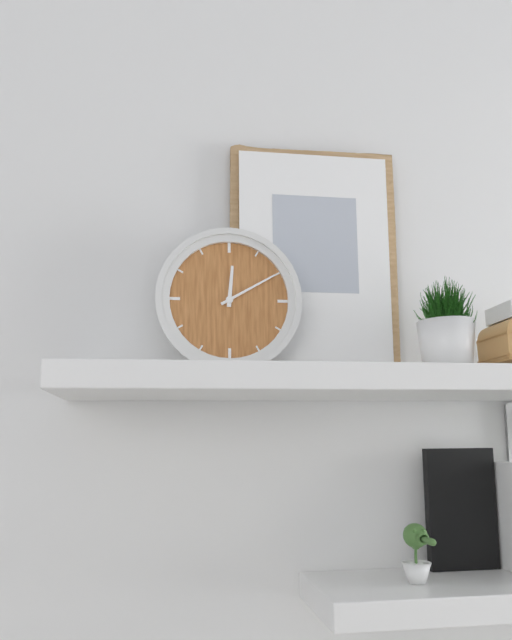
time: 12:10
